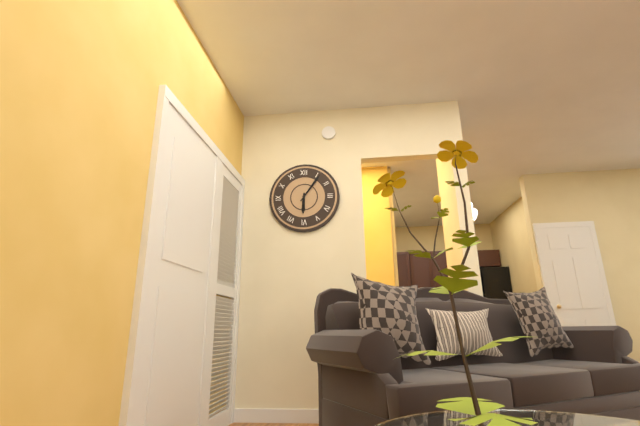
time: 6:06
